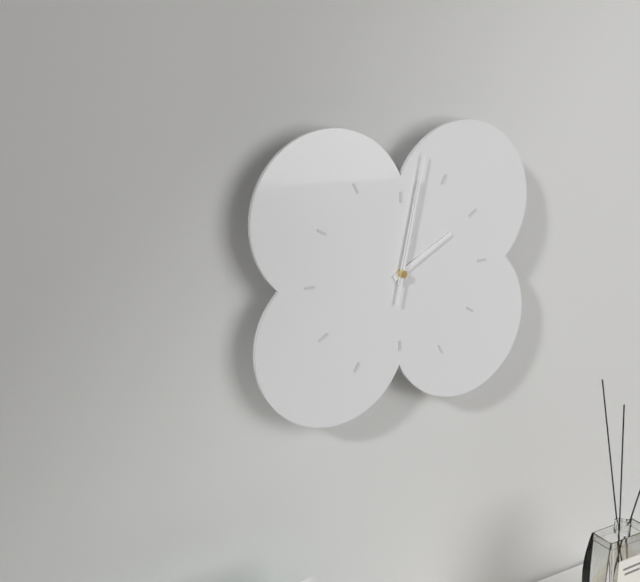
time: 2:02:02
